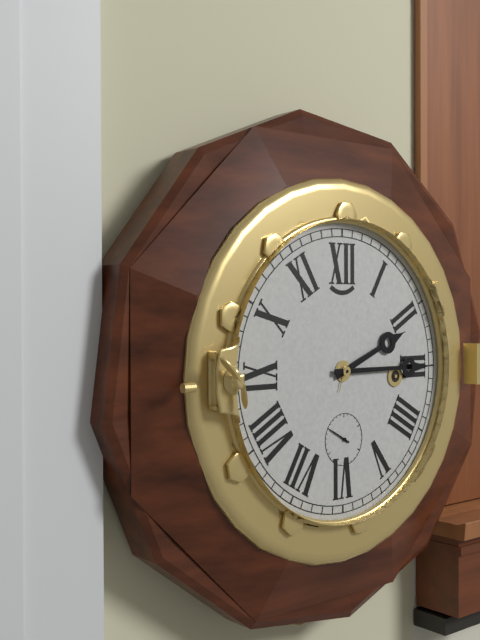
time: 2:15
